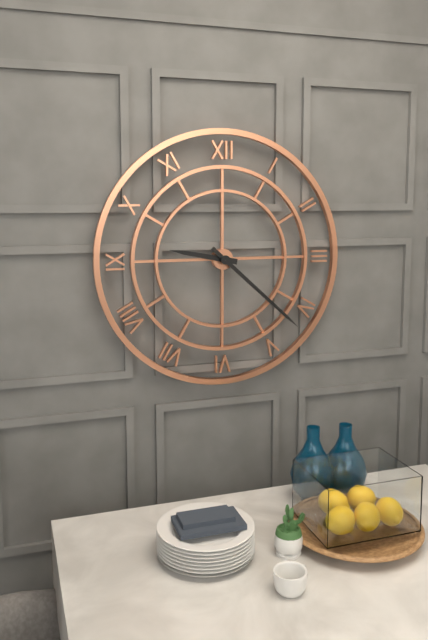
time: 9:22
